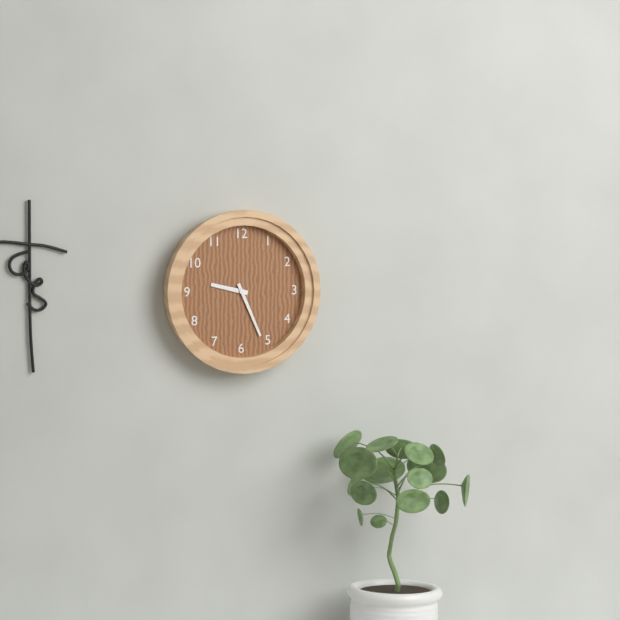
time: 9:26
